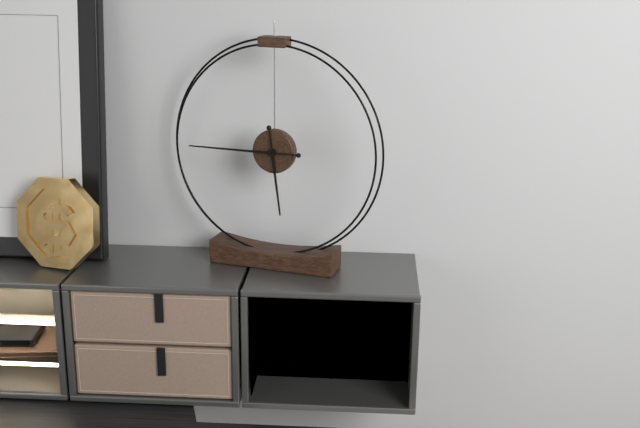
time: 5:45
